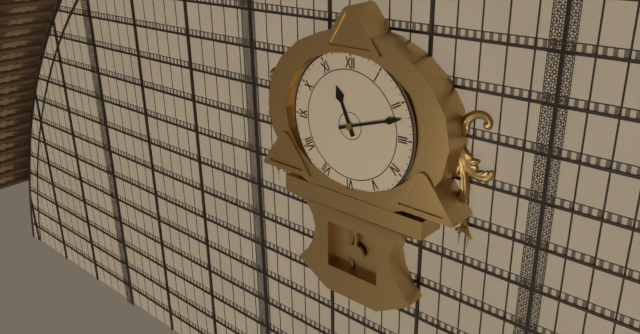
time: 11:12
